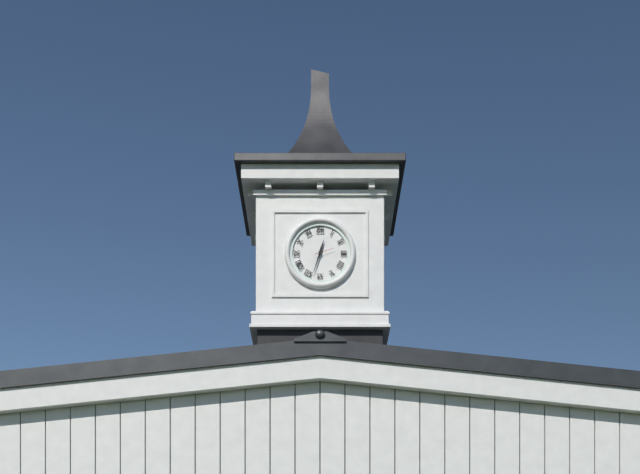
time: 12:33
